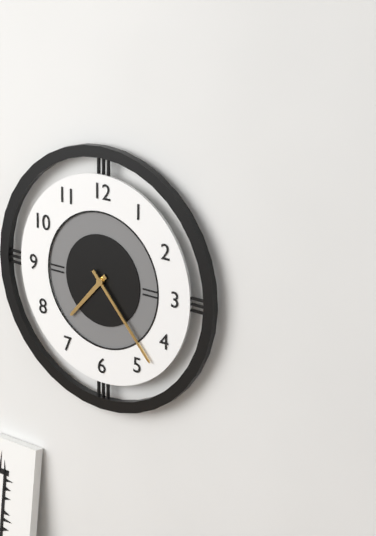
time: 7:23
